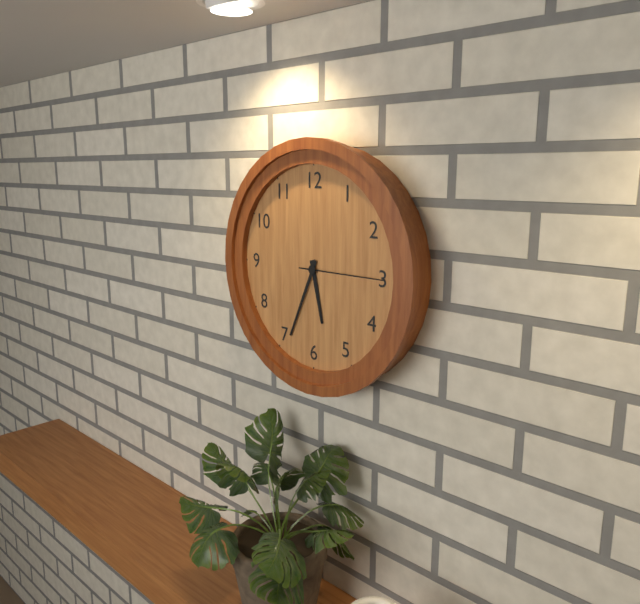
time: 5:34:15
